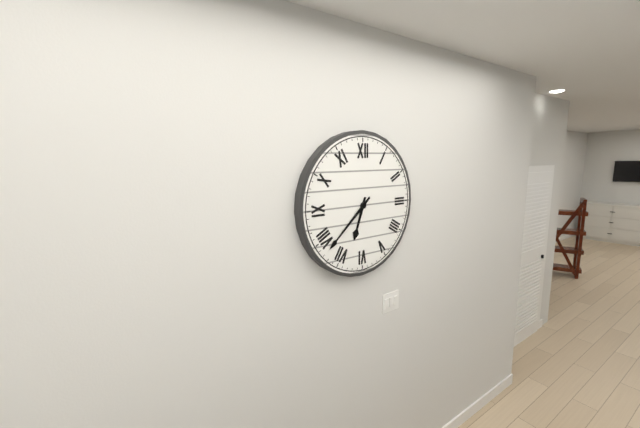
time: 6:38
